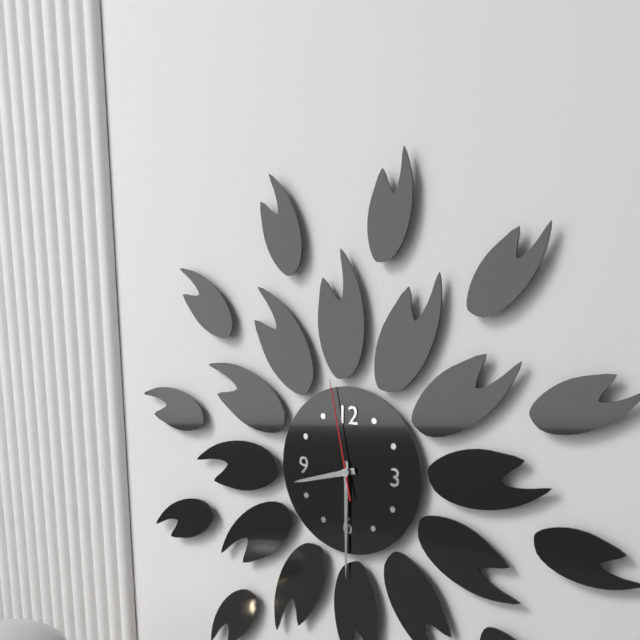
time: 8:30:58
